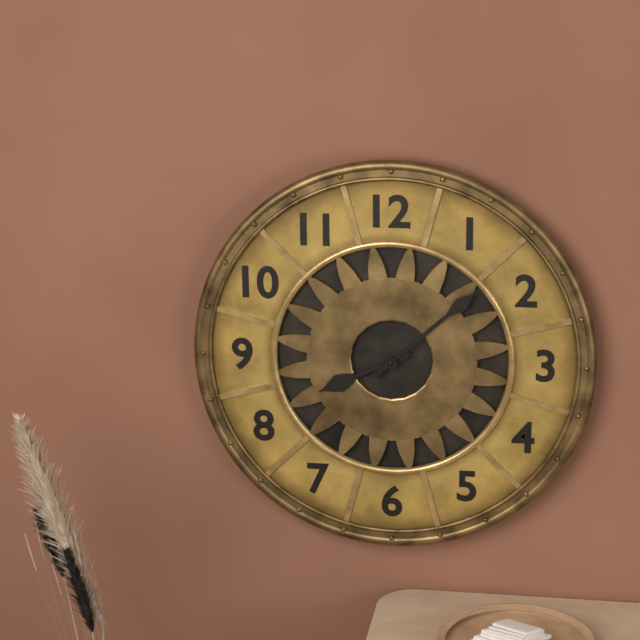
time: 8:08
